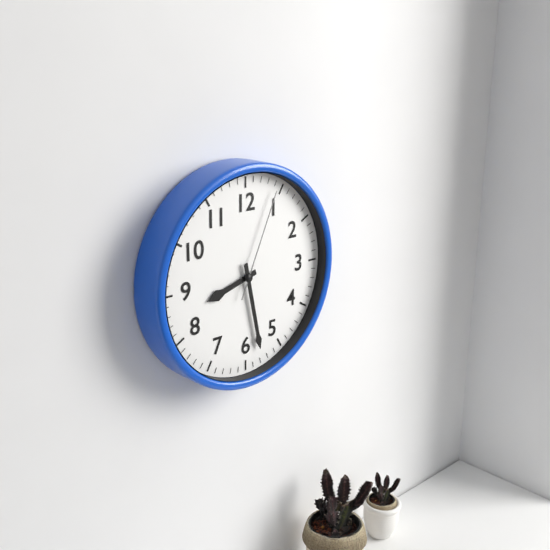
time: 8:28:04
